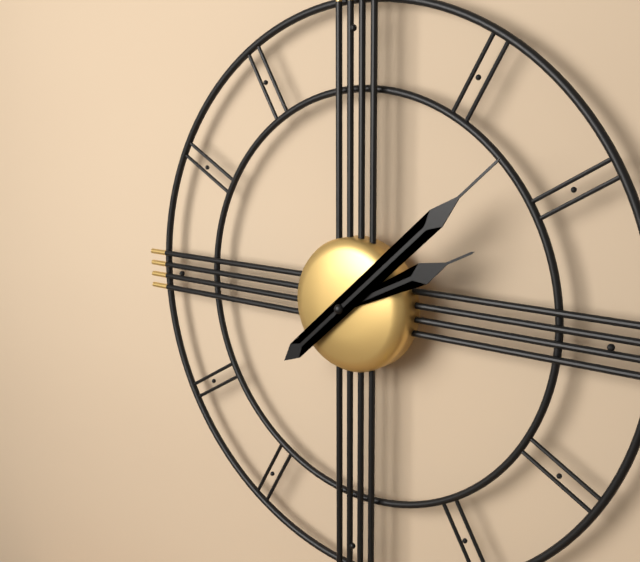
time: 2:08
